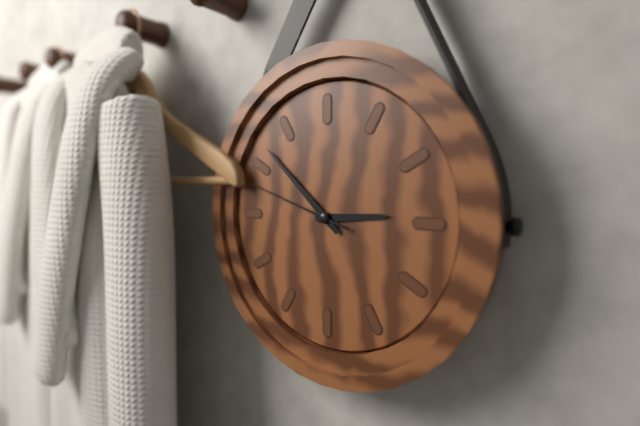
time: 2:52:48
